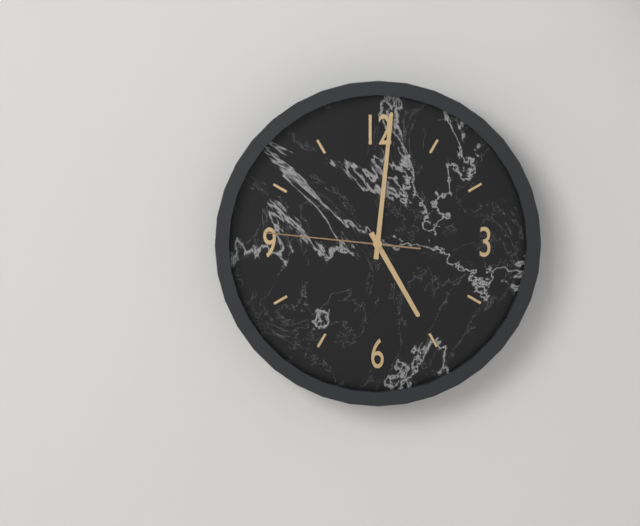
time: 5:01:46
